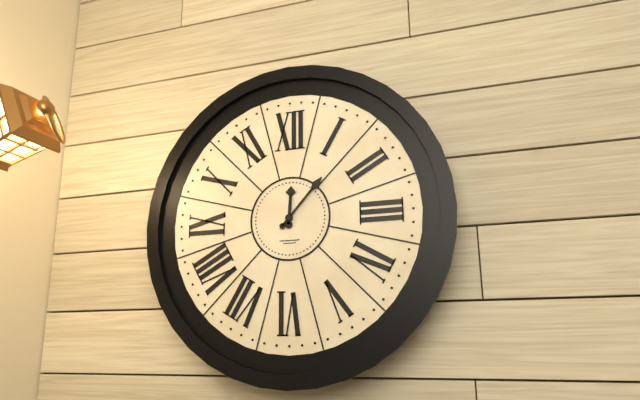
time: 12:07
